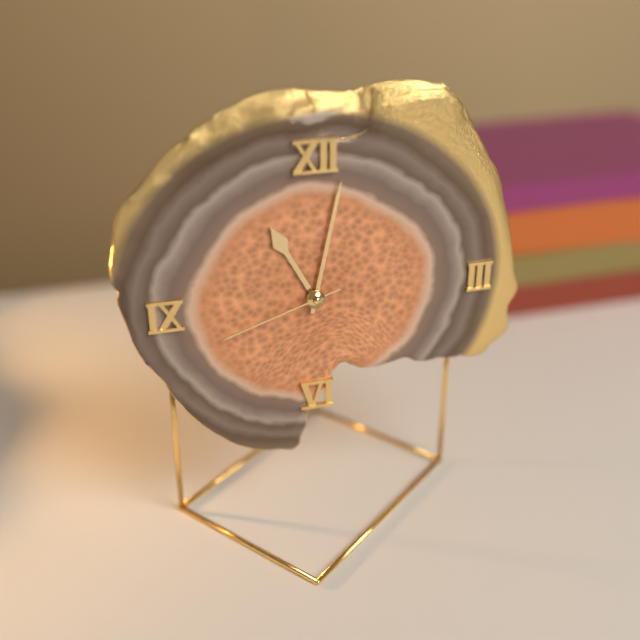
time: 11:02:42
